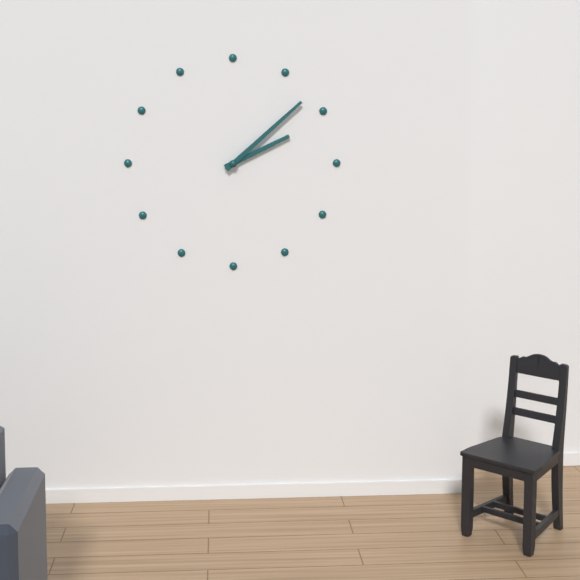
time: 2:08
